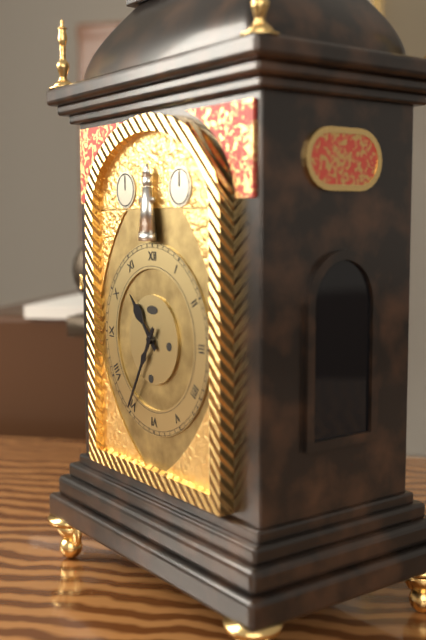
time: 10:35
